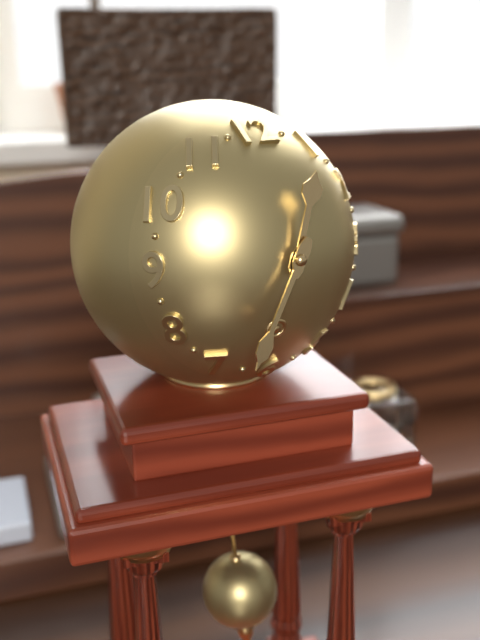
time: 12:35
